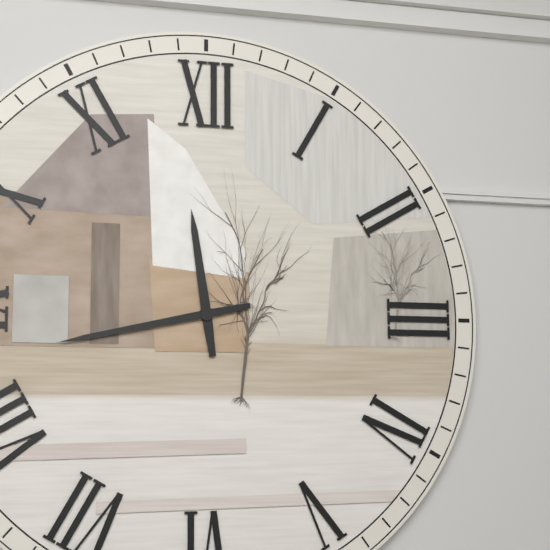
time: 11:43
